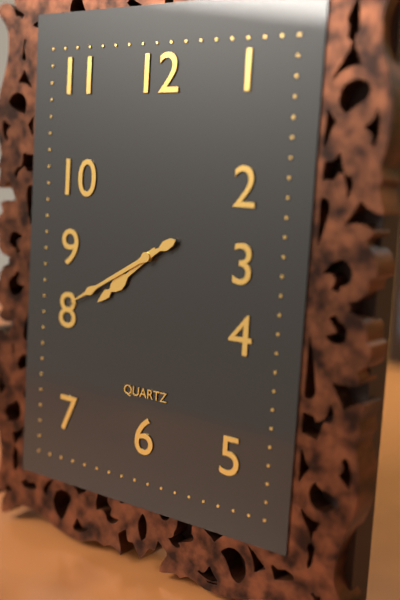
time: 7:40
